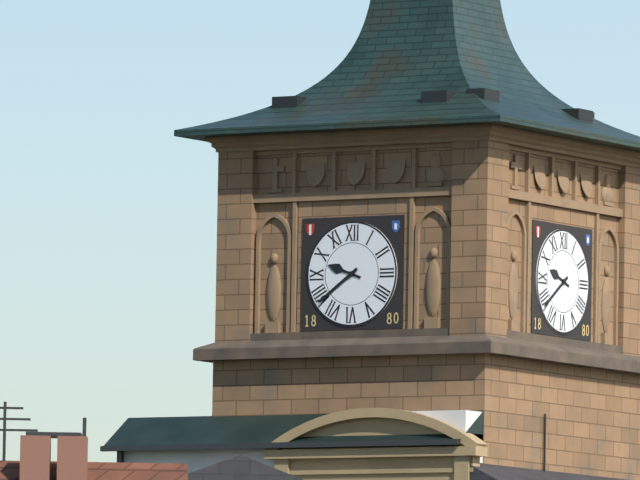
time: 9:39
